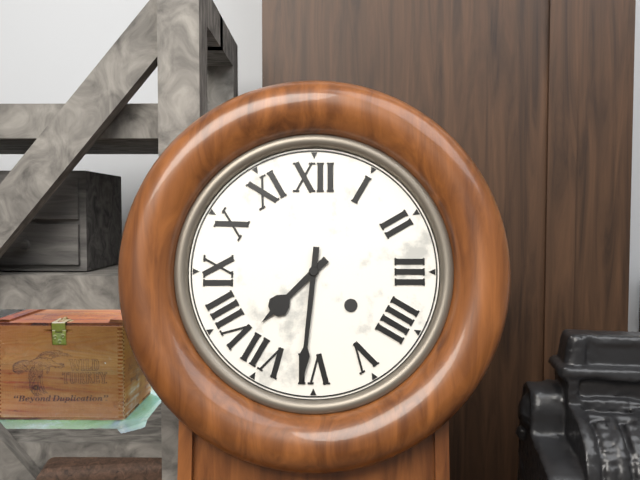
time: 7:31
